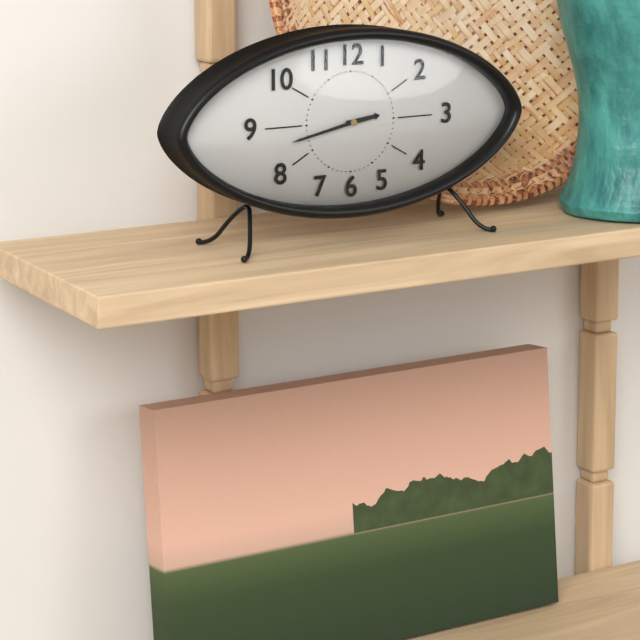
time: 2:43
